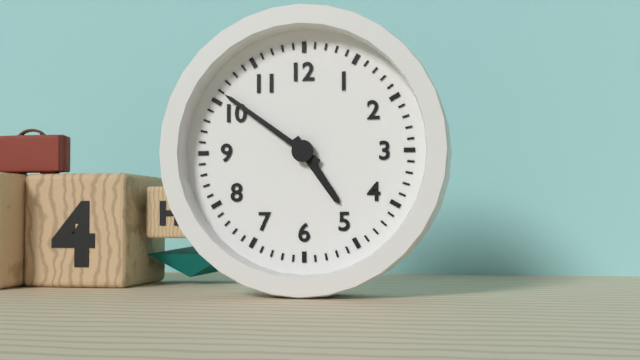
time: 4:51
